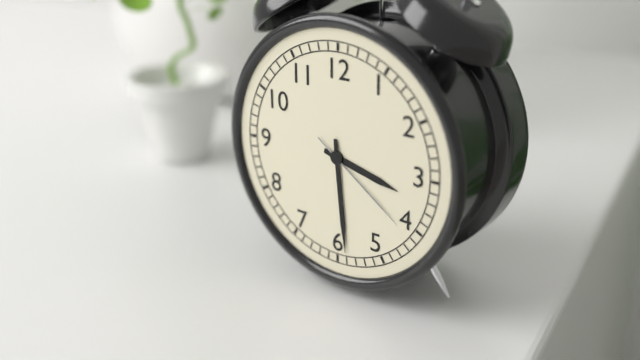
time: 3:29:21
